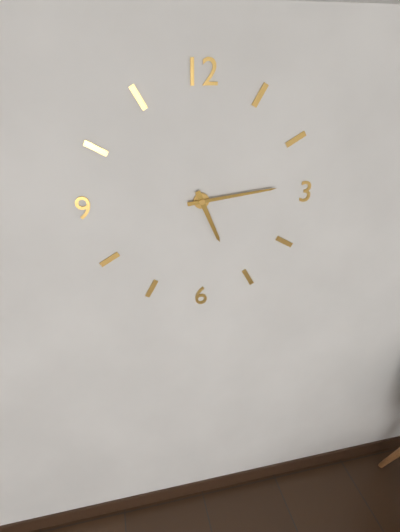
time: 5:14
